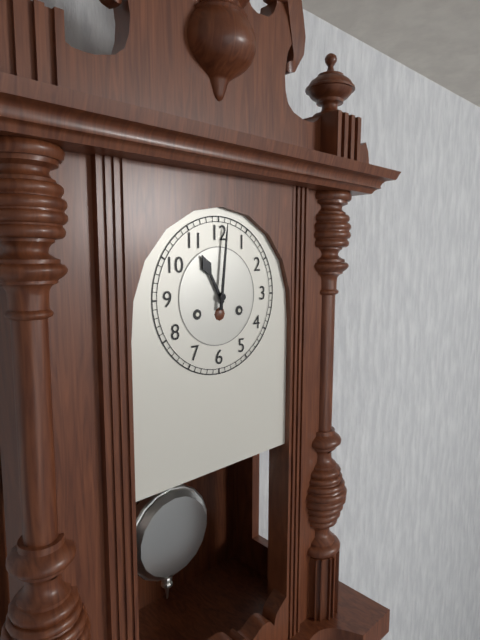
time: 11:01
